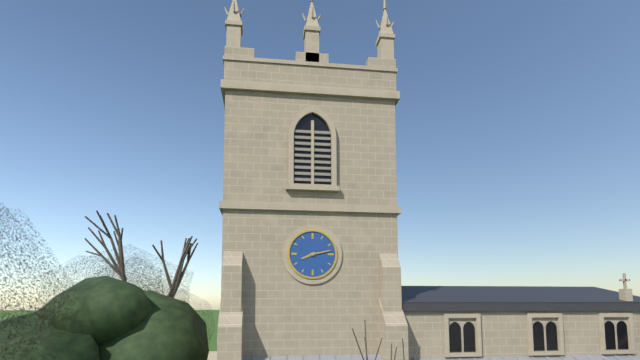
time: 8:13
